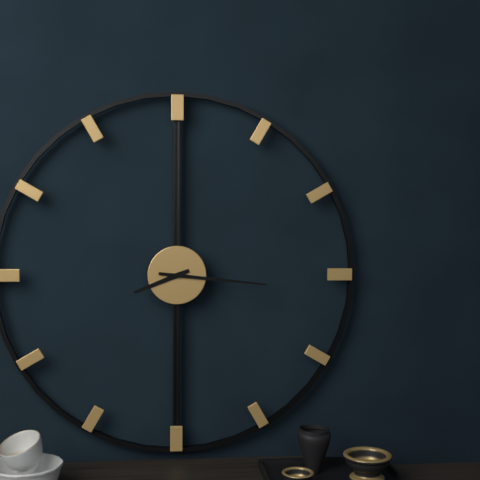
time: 8:16
